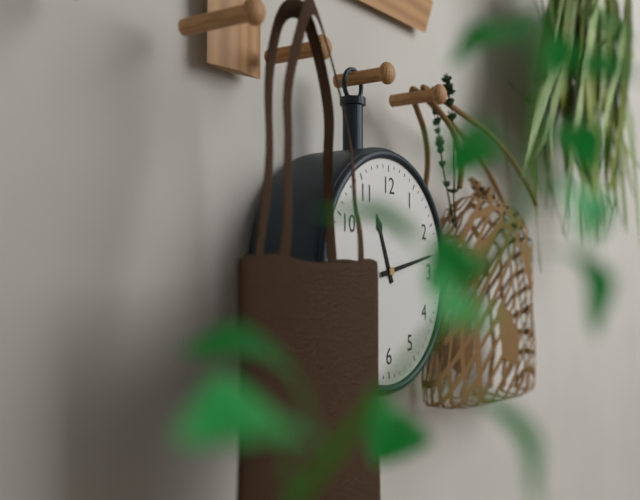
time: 11:13
